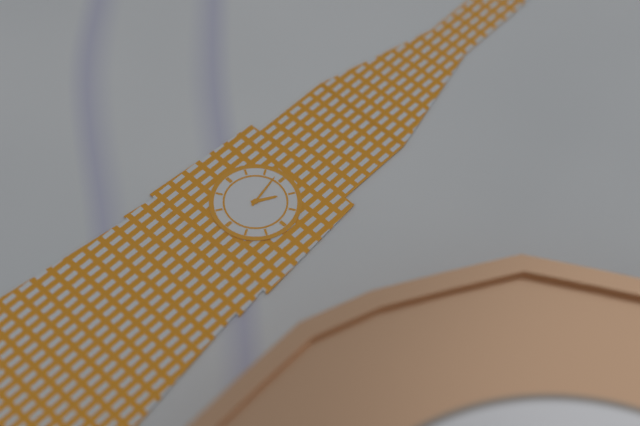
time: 12:58
